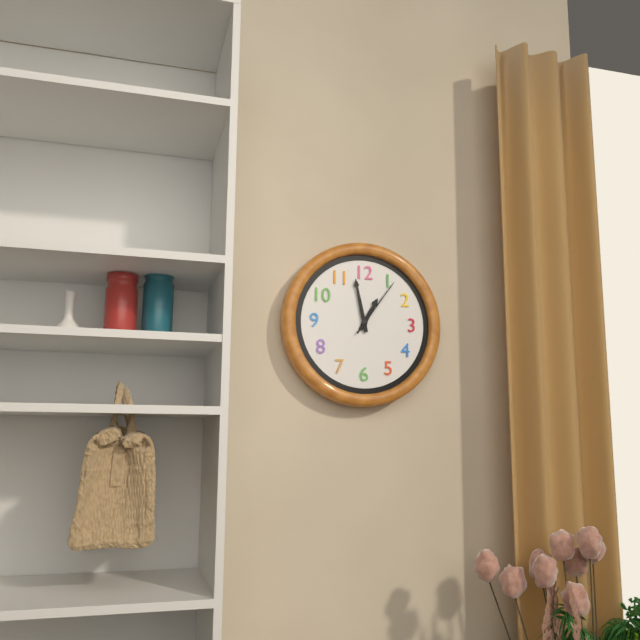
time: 12:58:06
